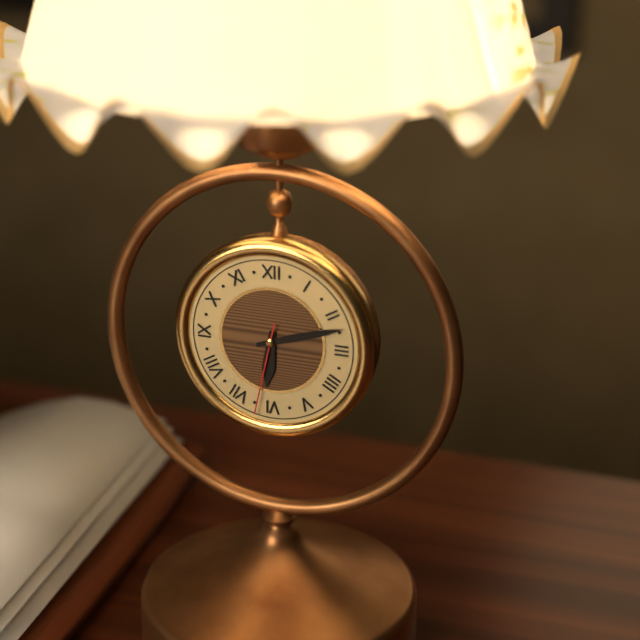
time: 6:12:32
